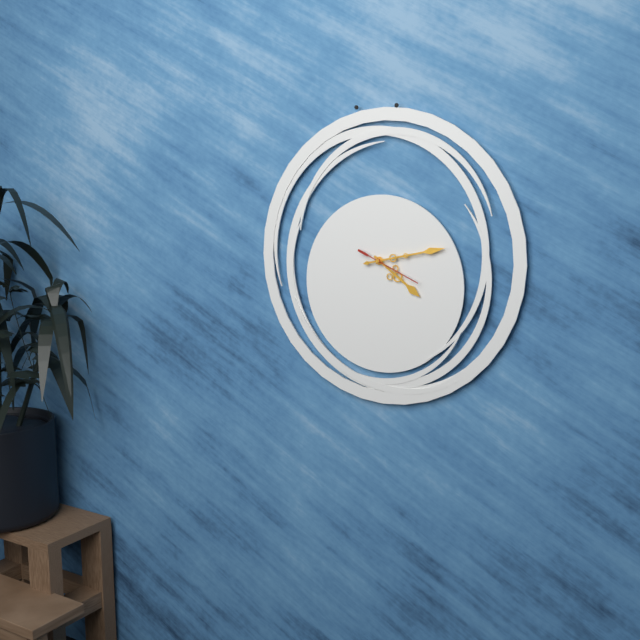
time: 4:13:19
